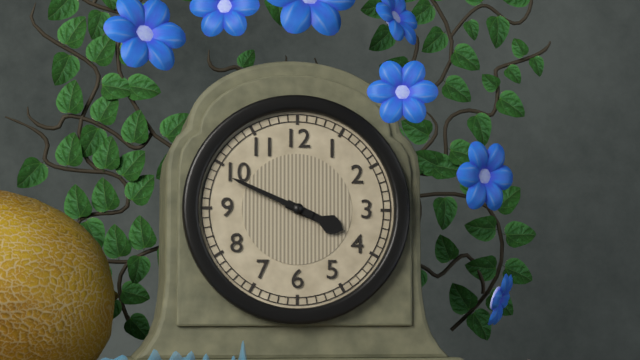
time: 3:49
